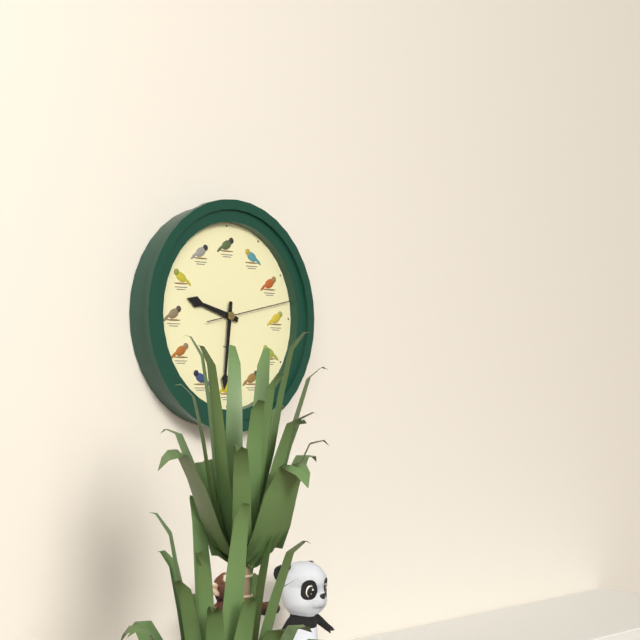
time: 9:31:13
